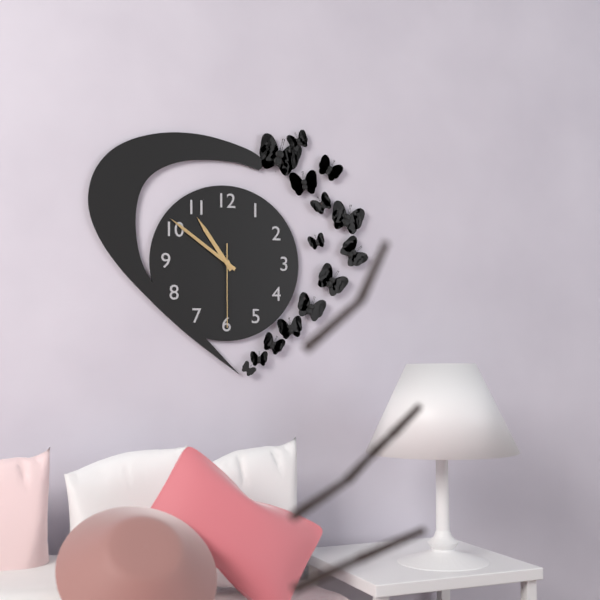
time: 10:51:30
